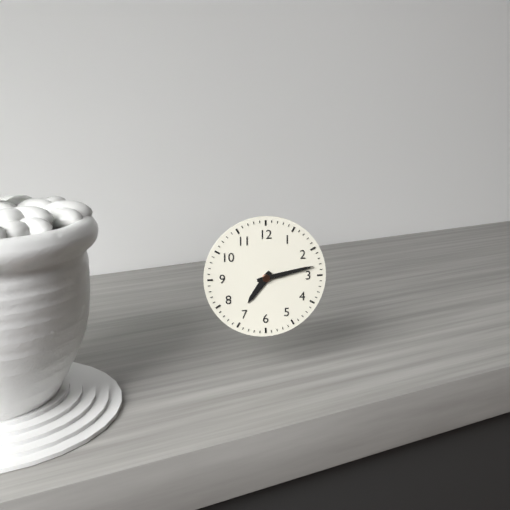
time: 7:13
